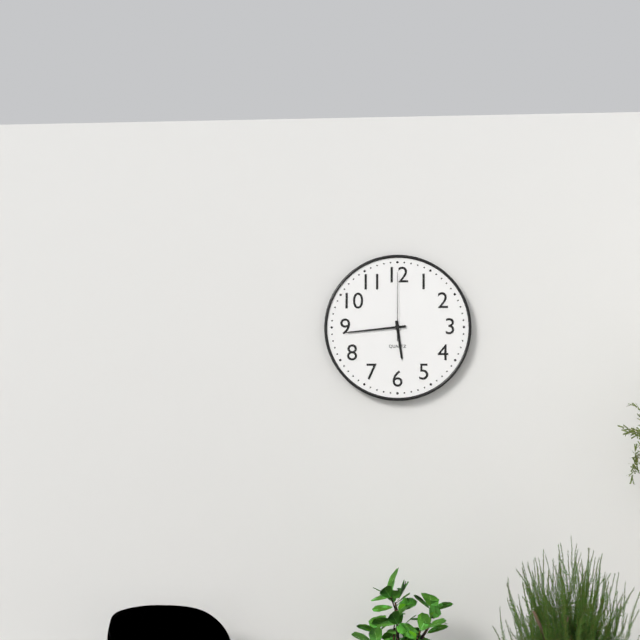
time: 5:44:00
